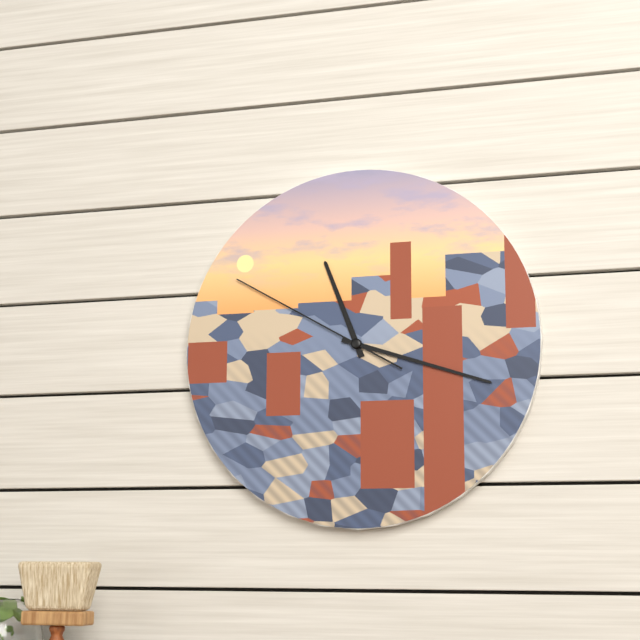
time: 11:18:50
